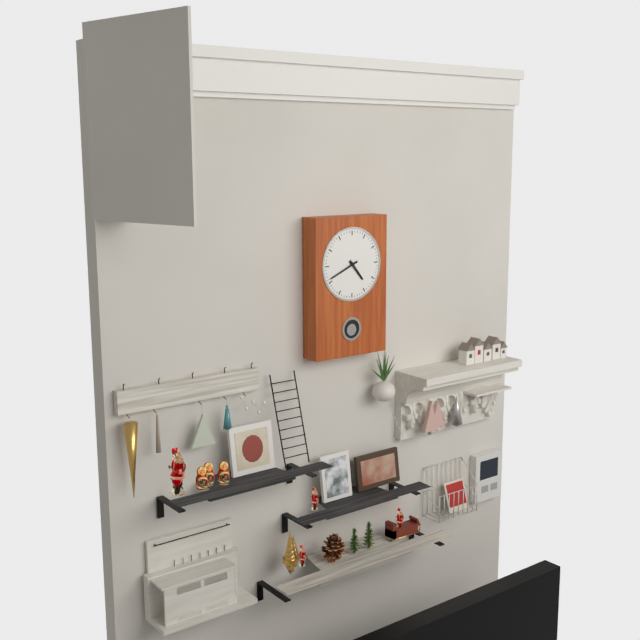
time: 4:41
